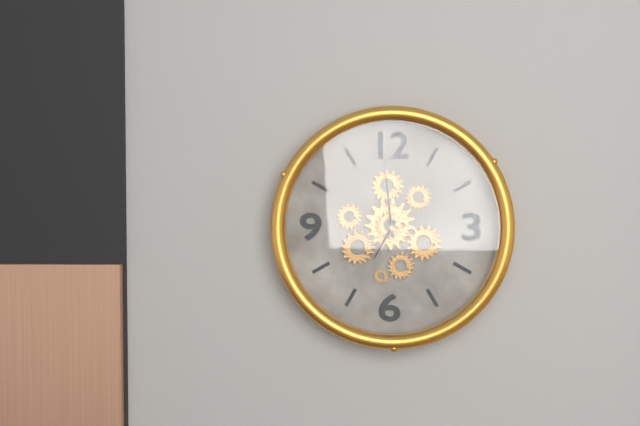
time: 6:59
